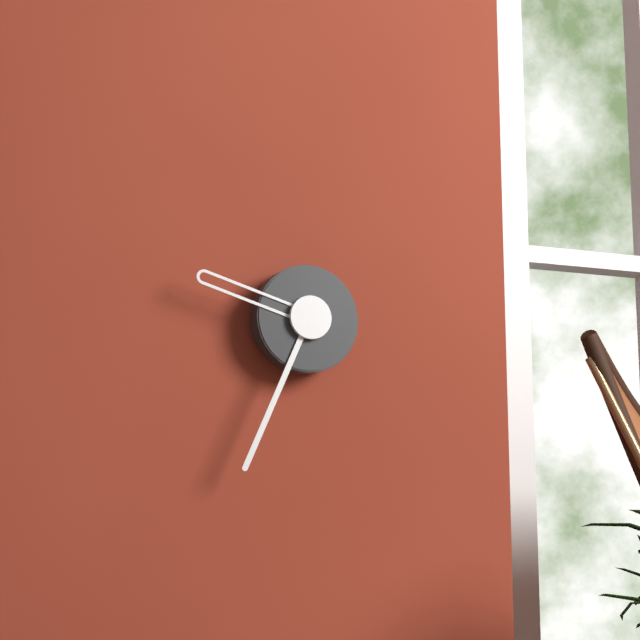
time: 9:34
